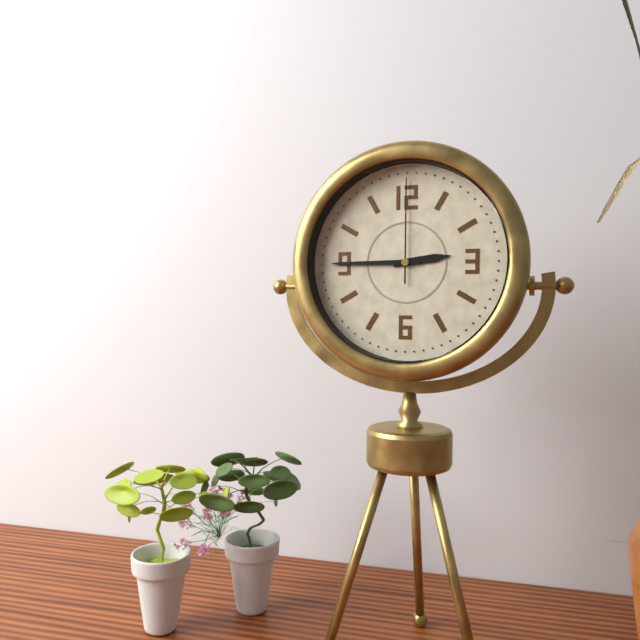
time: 2:45:00
